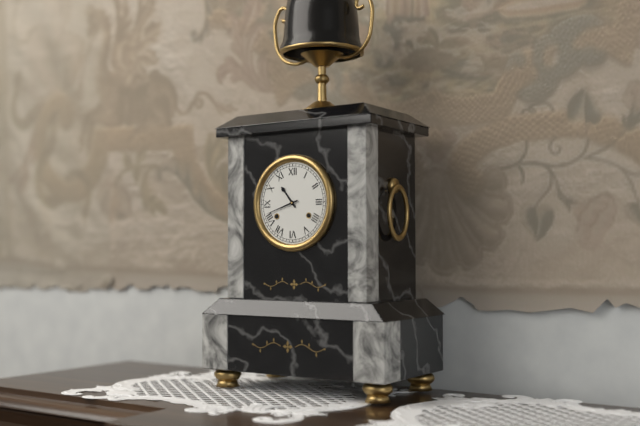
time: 10:42
